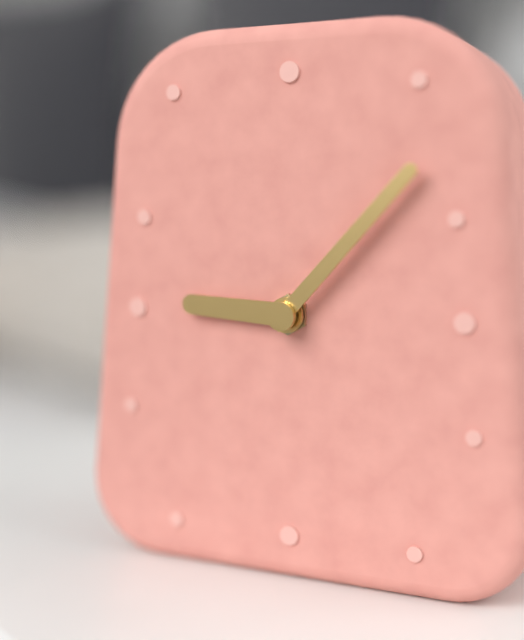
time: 9:07
